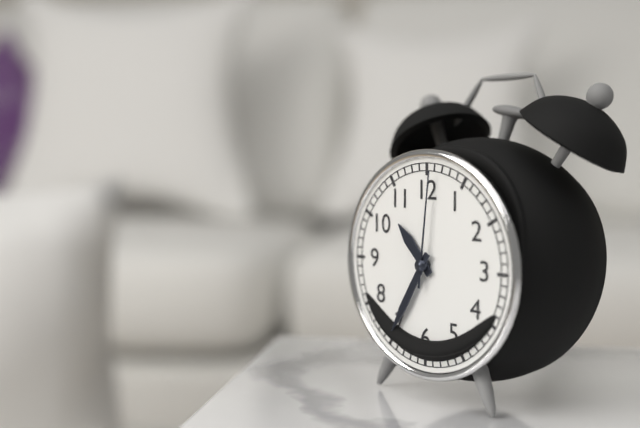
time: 10:35:01
